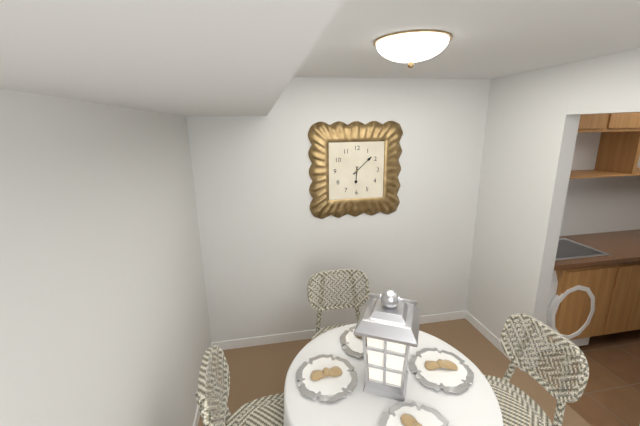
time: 6:08
